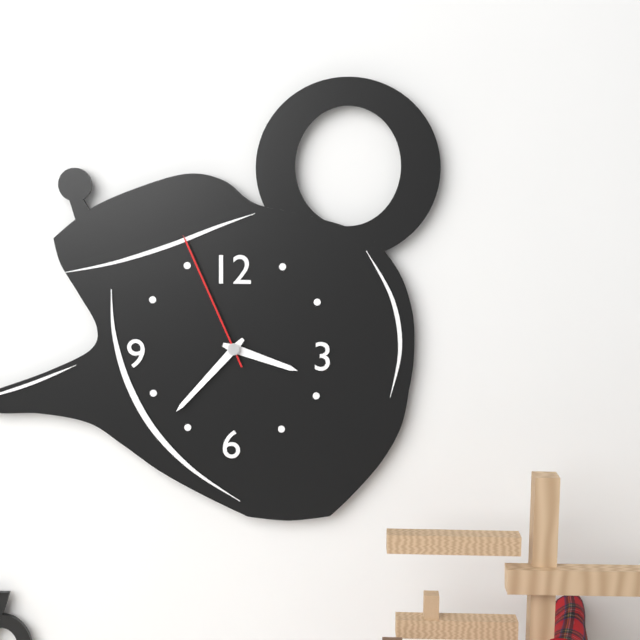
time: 3:37:56
